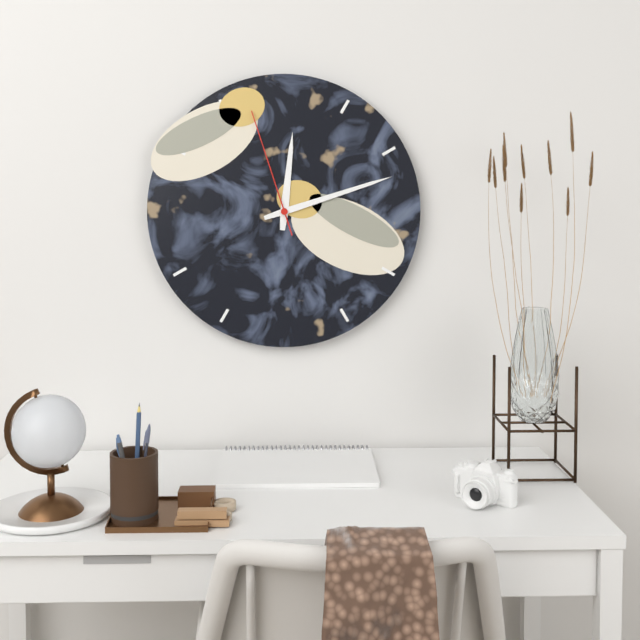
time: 12:12:57
